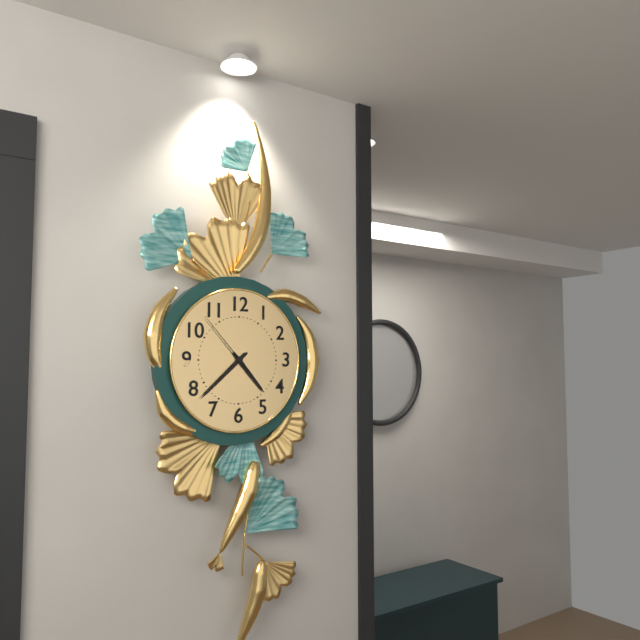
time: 4:38:53
